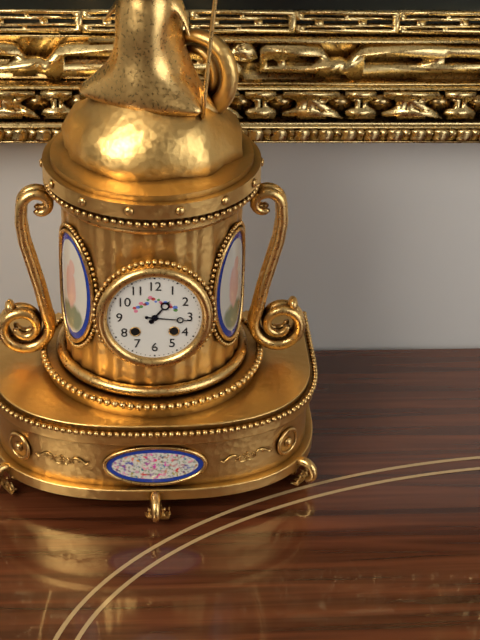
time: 1:16
